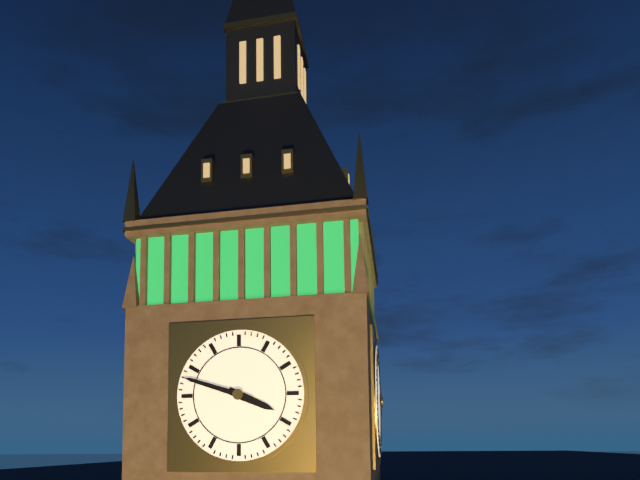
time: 3:48
